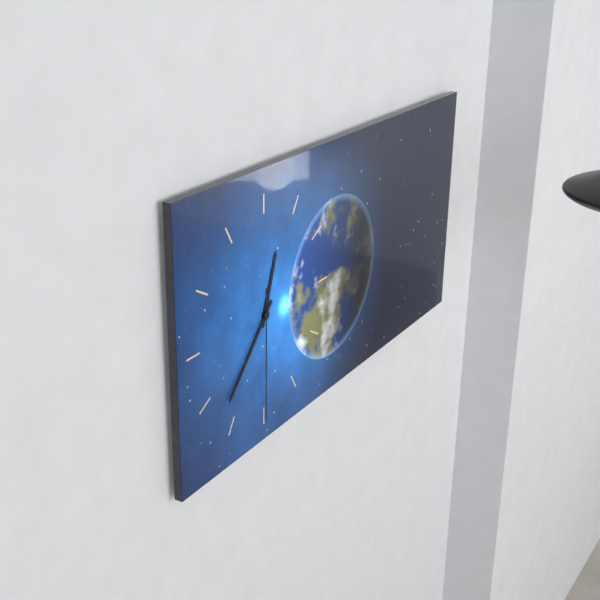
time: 12:37:30
